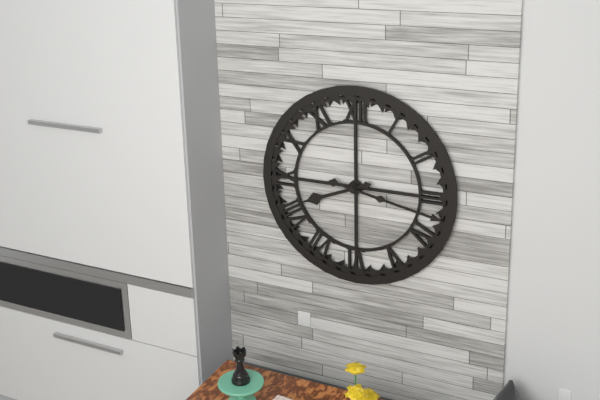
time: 8:17
